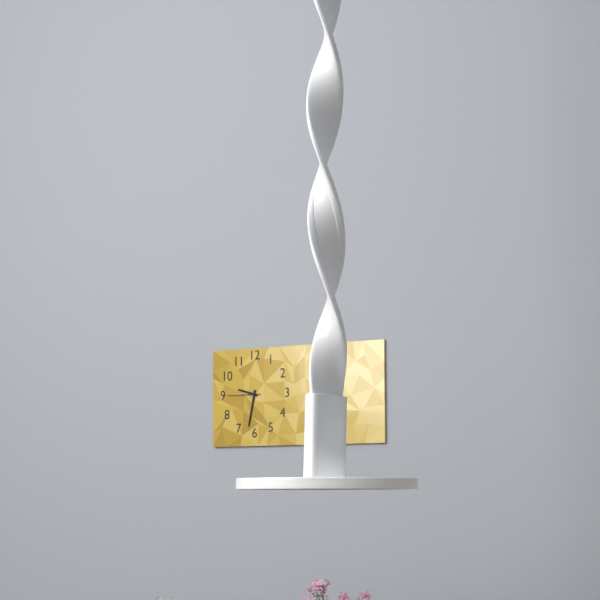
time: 9:32
